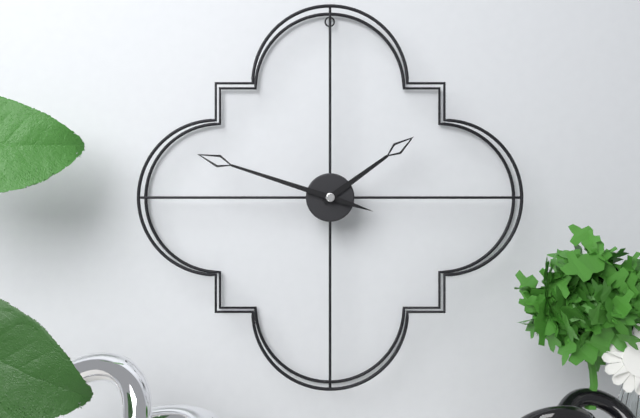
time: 1:48
